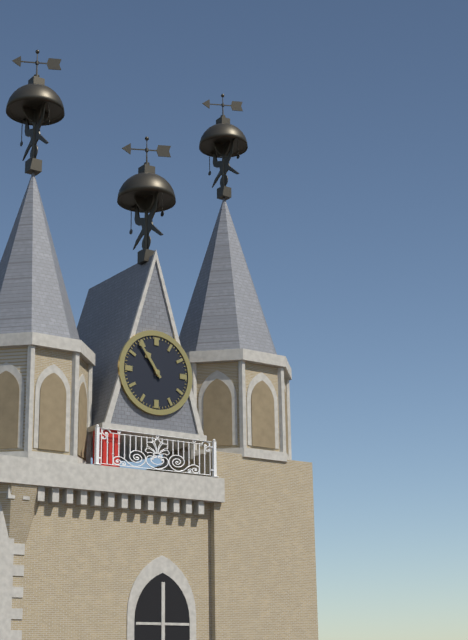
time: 10:54
